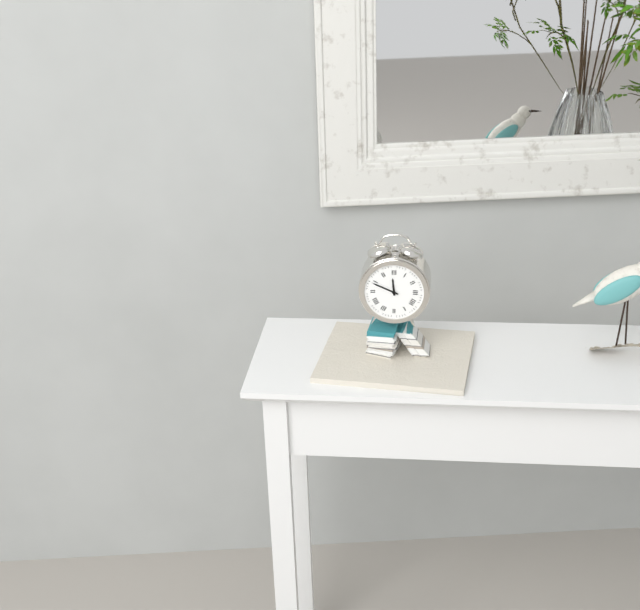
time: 11:49
